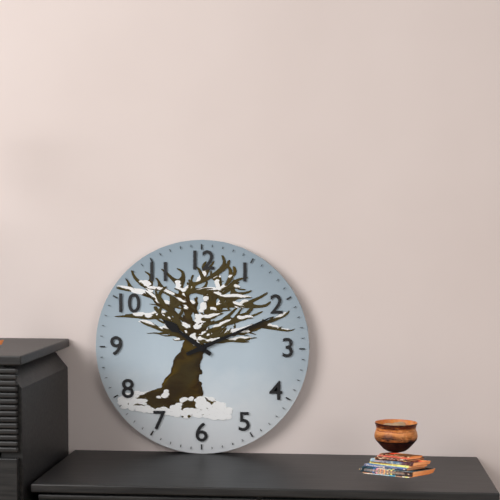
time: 10:11
